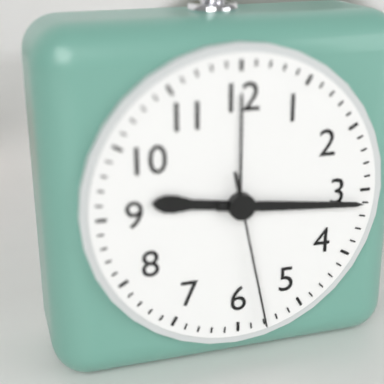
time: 9:16:28
